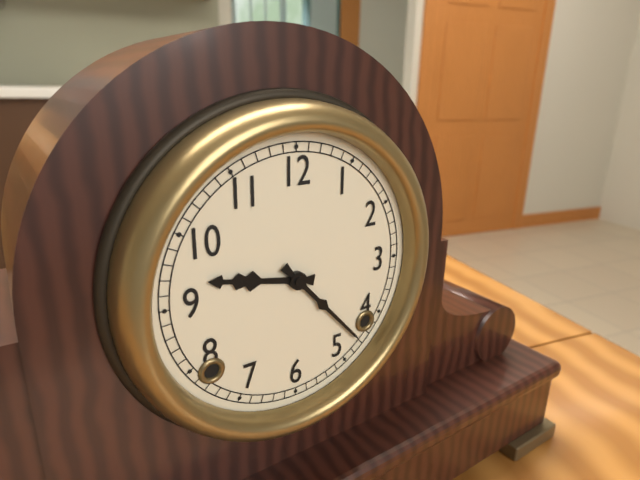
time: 9:23
